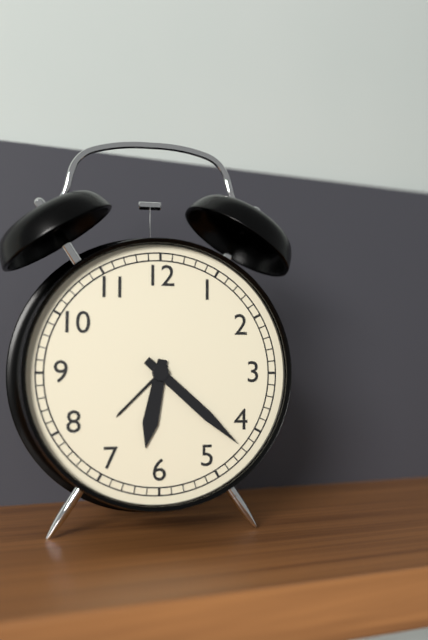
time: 6:22
